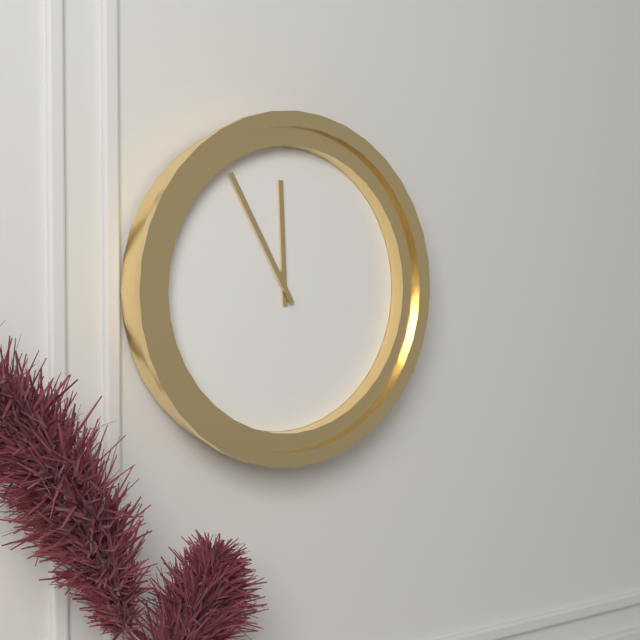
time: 11:55
